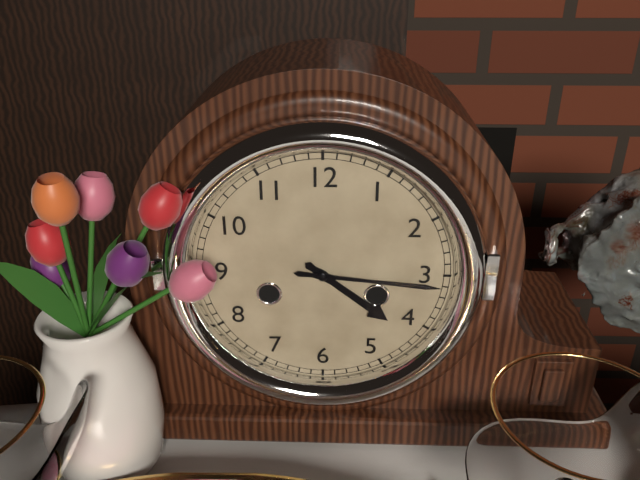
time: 4:16
